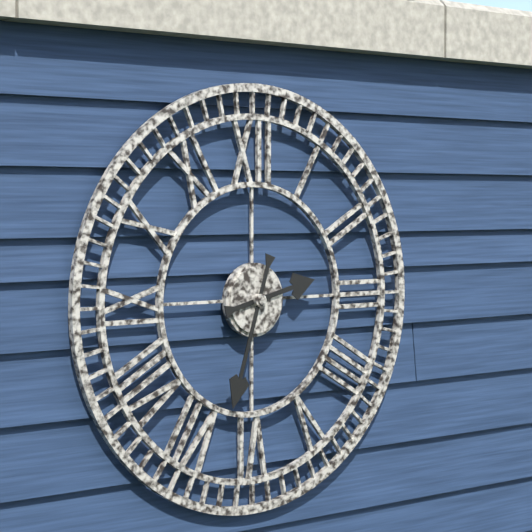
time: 2:33
